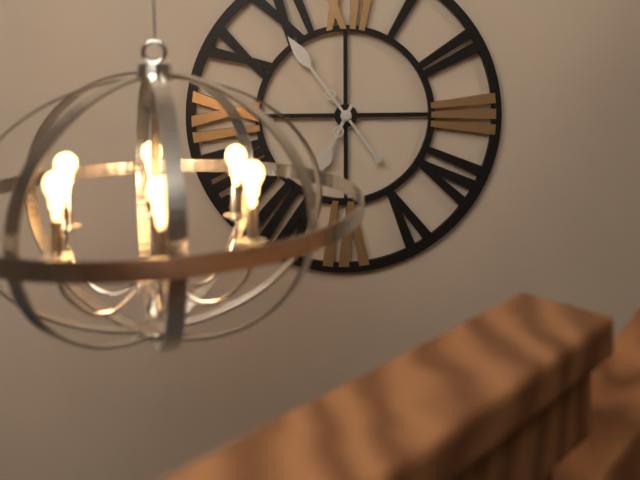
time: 6:54
